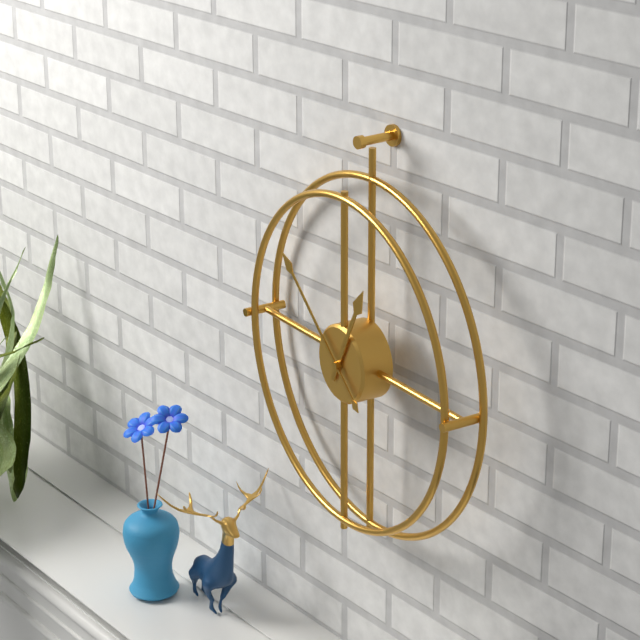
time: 12:52
